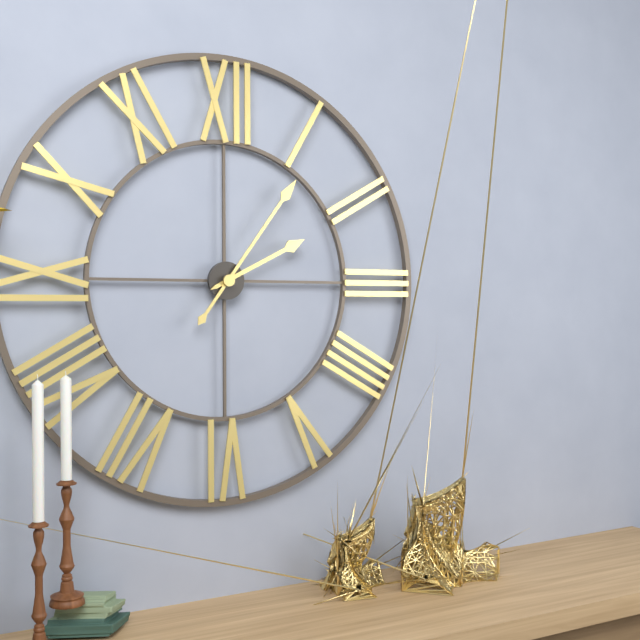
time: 2:06
